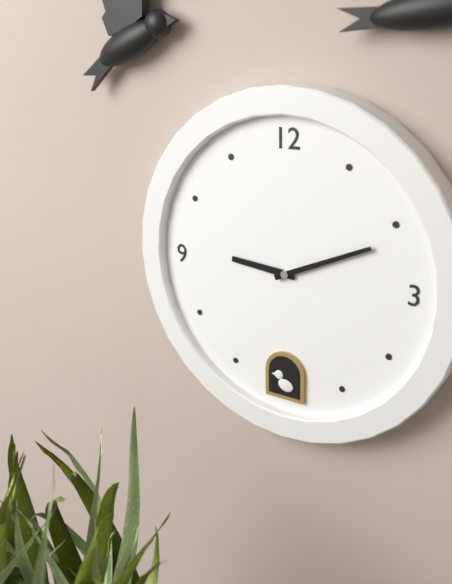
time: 9:11
